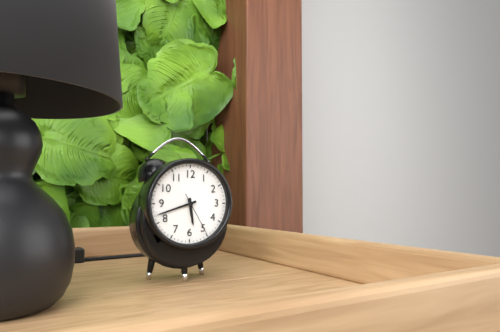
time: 5:42
